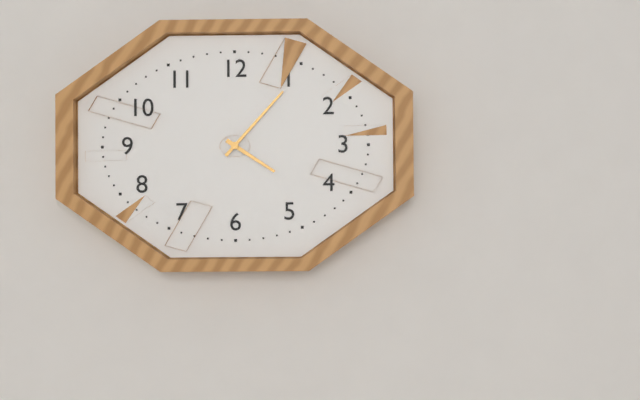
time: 4:07
